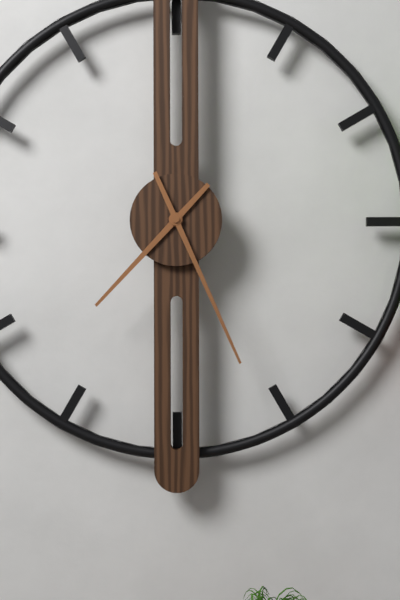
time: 7:26
